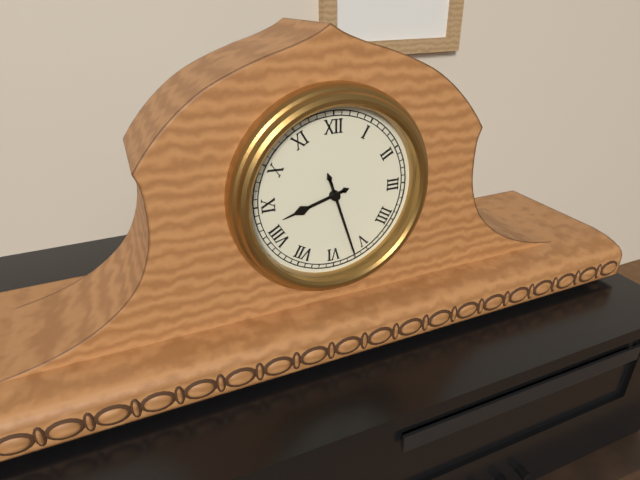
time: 8:27
